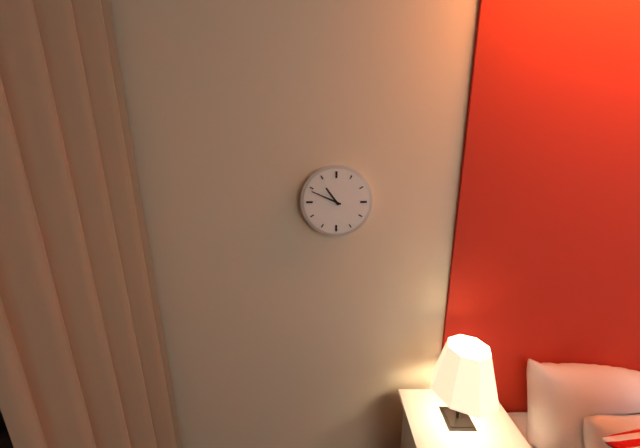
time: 10:49
